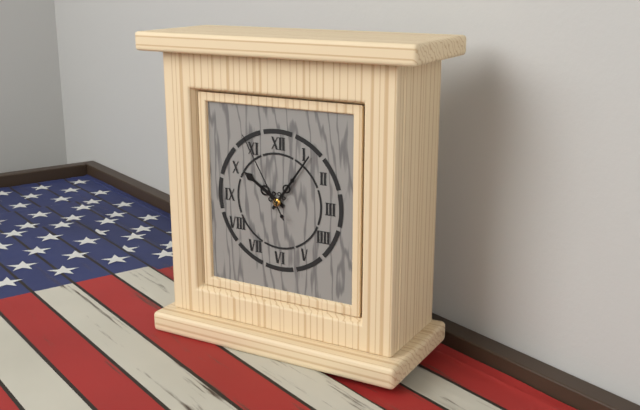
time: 10:06:55
